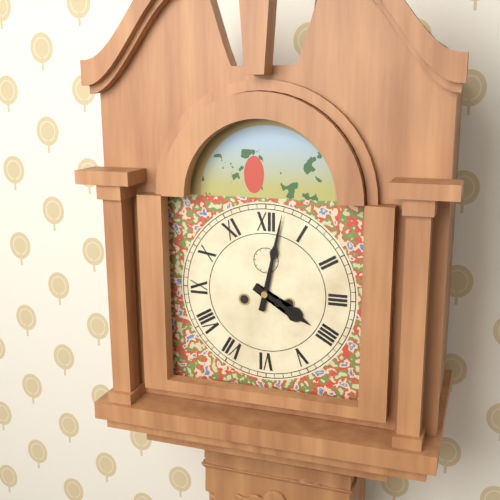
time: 4:02
